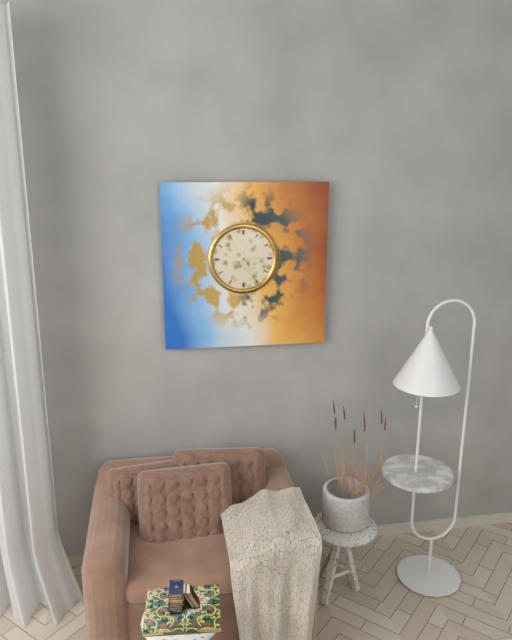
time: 5:14
